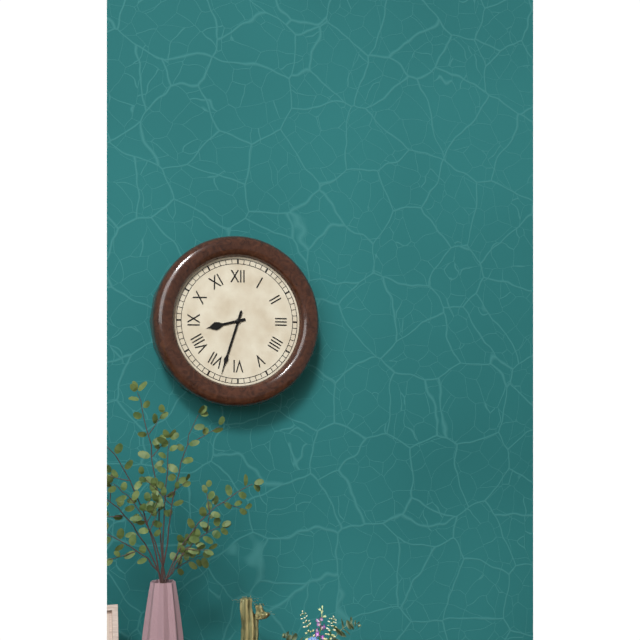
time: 8:33
